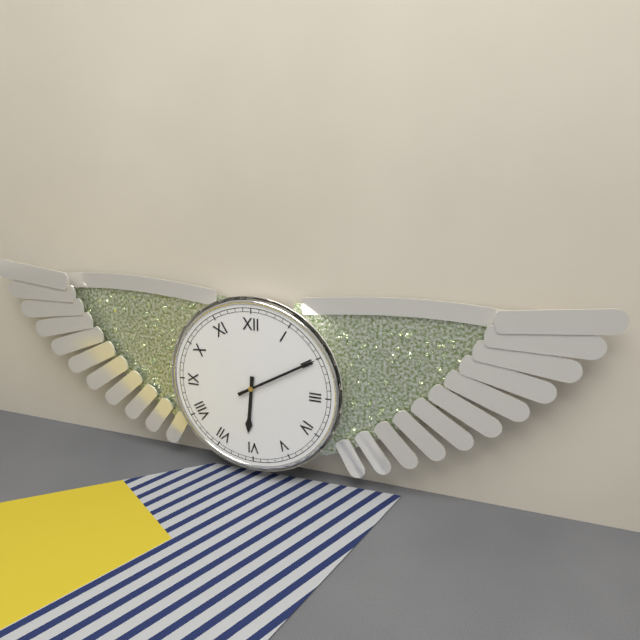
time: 6:10
